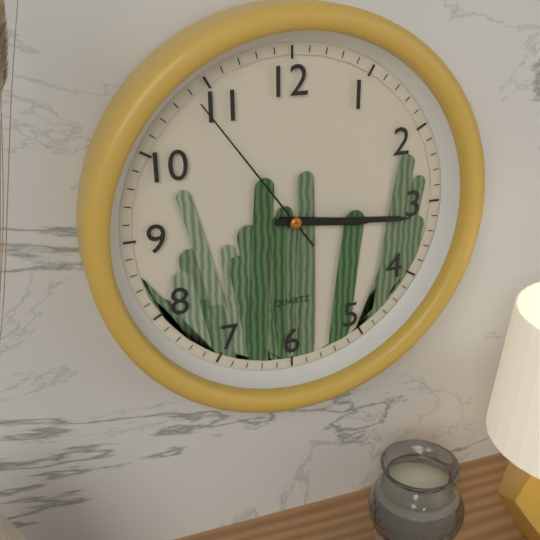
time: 3:16:54
